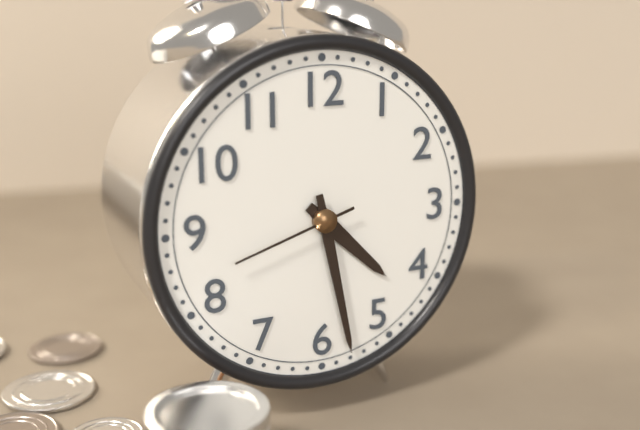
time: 4:28:42
